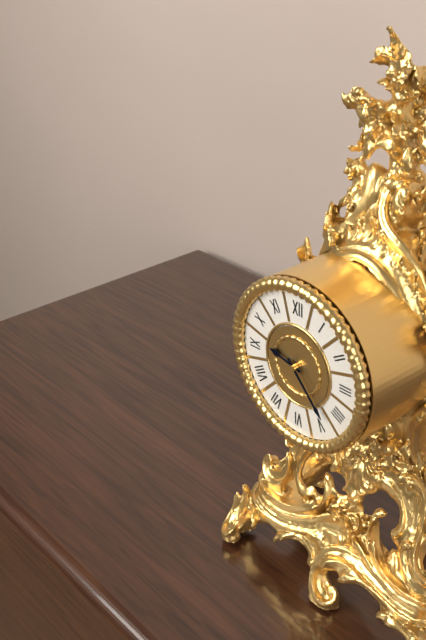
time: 9:23
